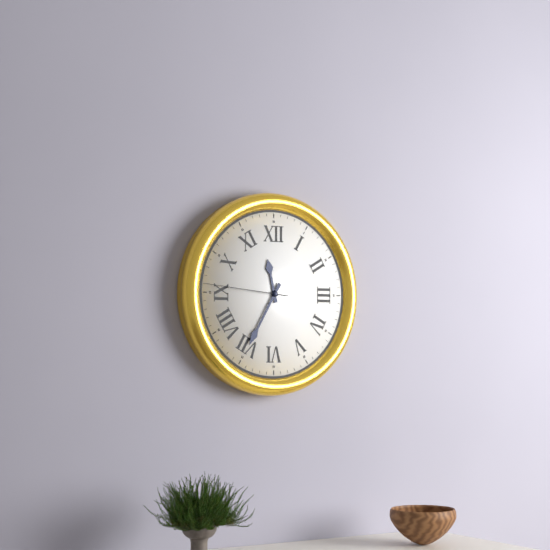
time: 11:35:46
